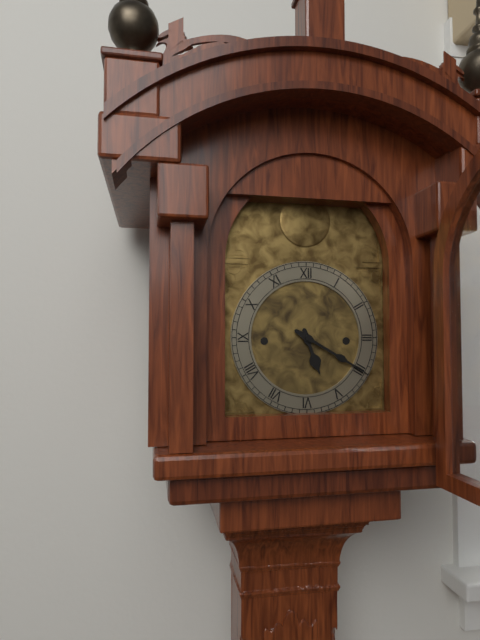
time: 5:20
